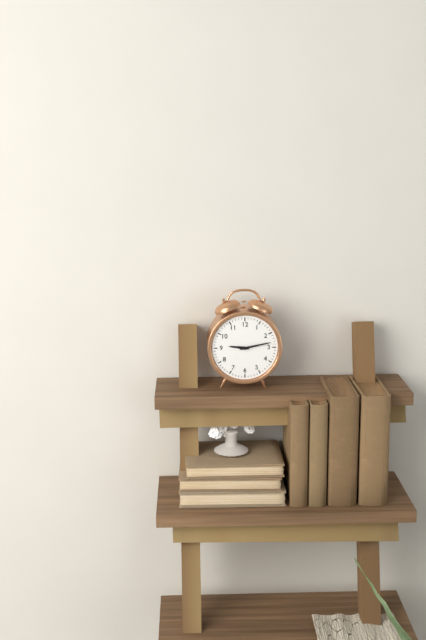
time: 9:13
